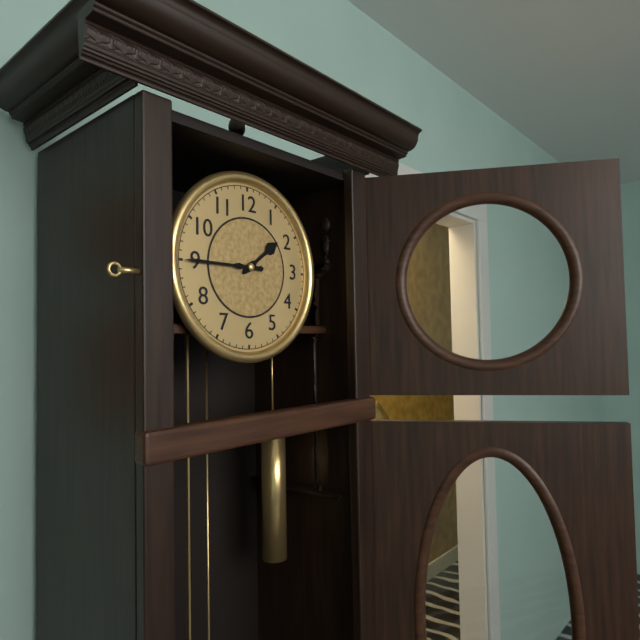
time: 1:45
